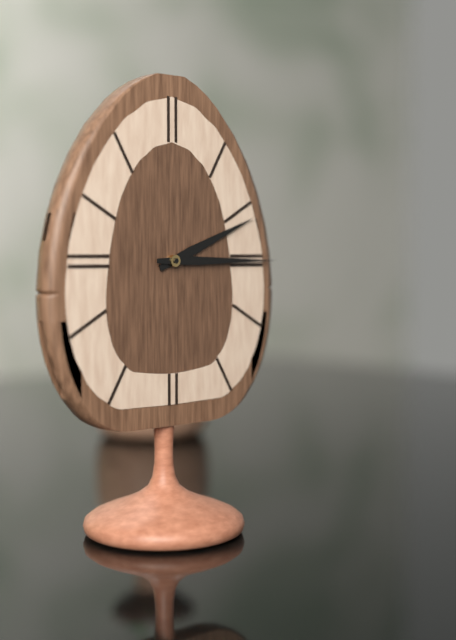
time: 2:15
